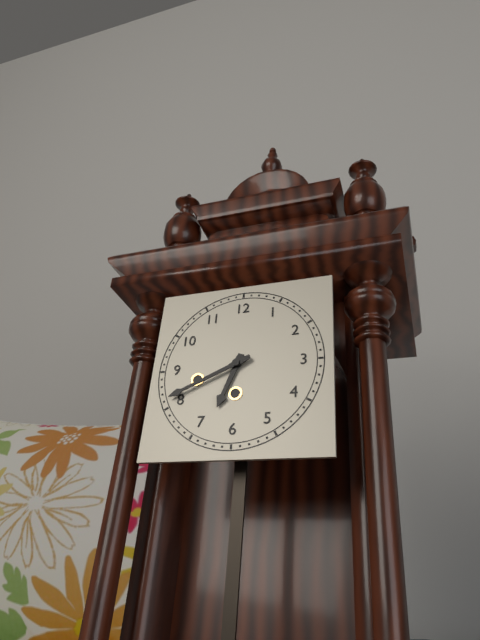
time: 6:41
